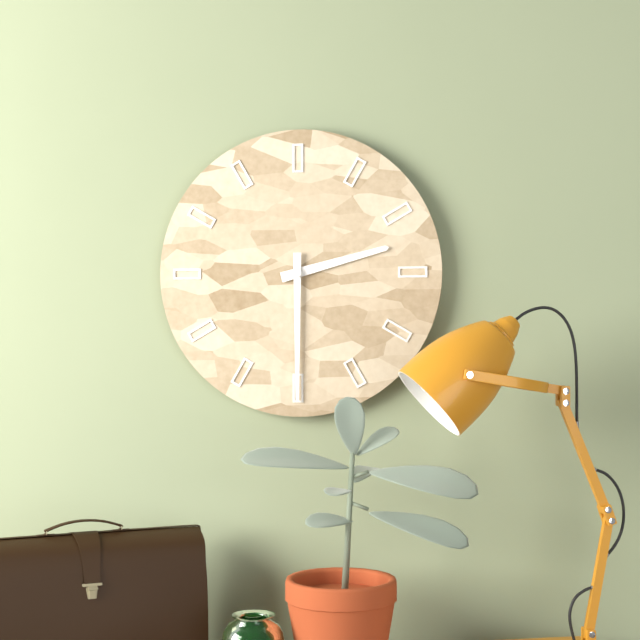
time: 2:30
